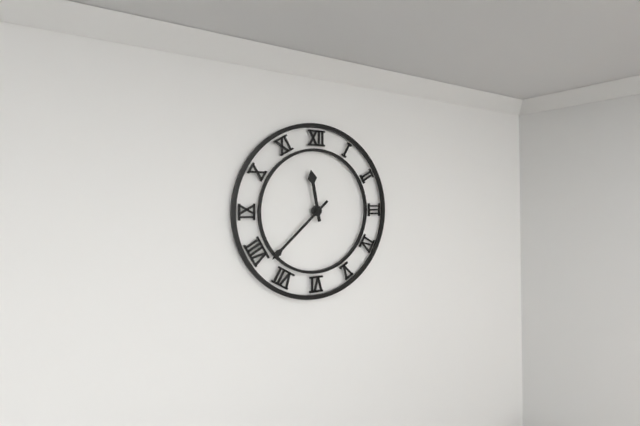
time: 11:38
